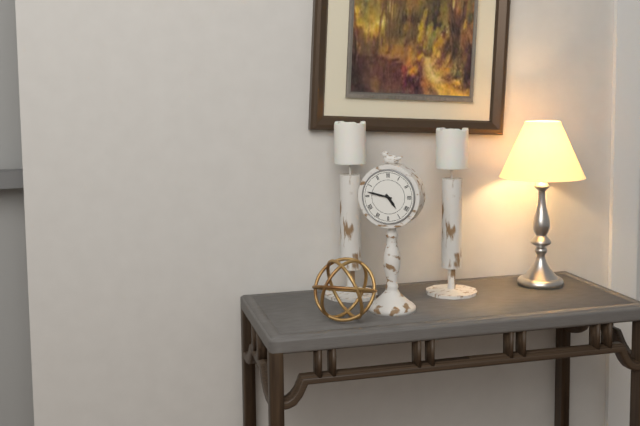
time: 4:47
